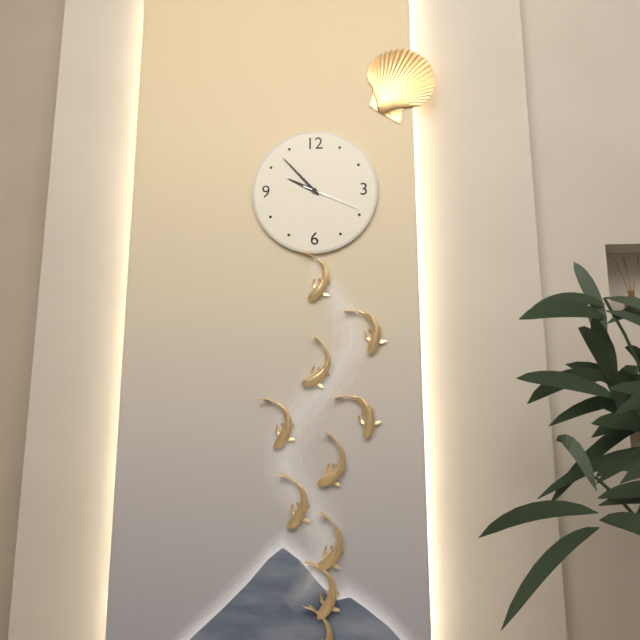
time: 9:53:19
